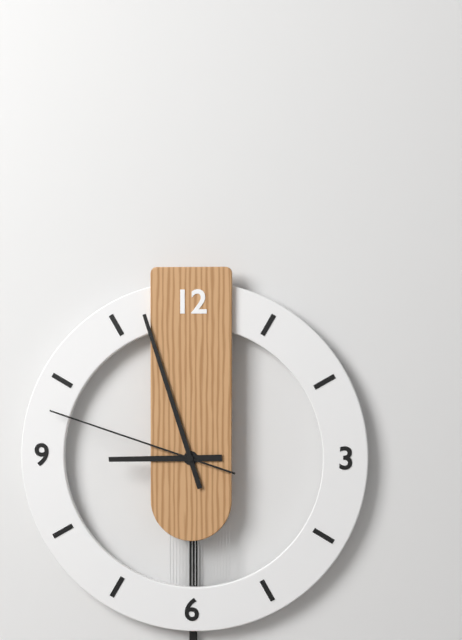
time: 8:57:48
